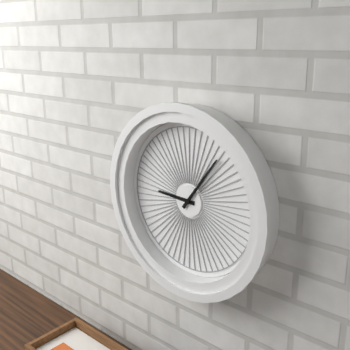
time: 9:06
